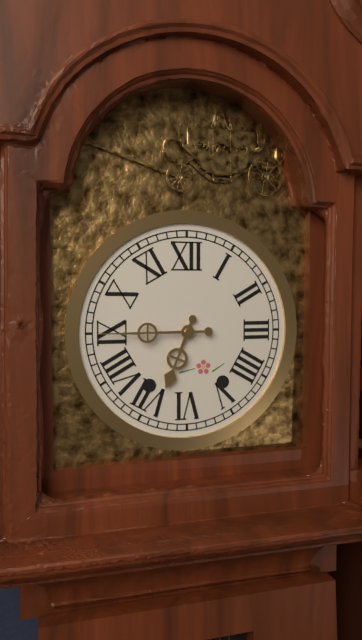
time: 6:45
